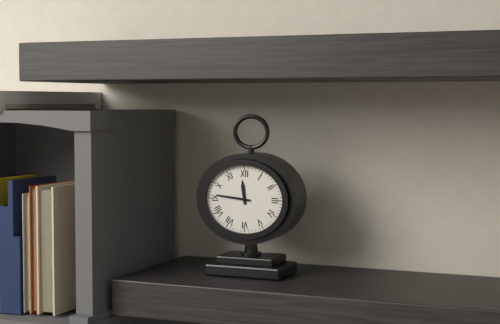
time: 11:46
